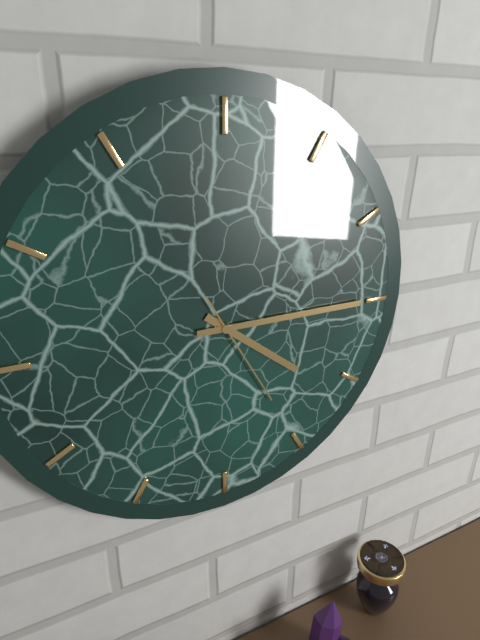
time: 4:15:25
